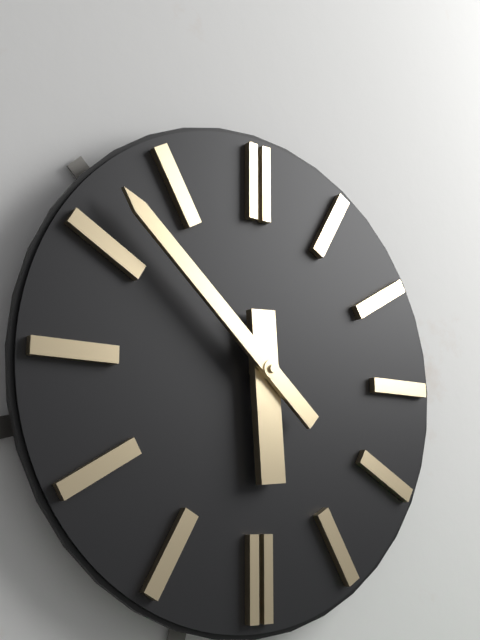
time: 5:52
